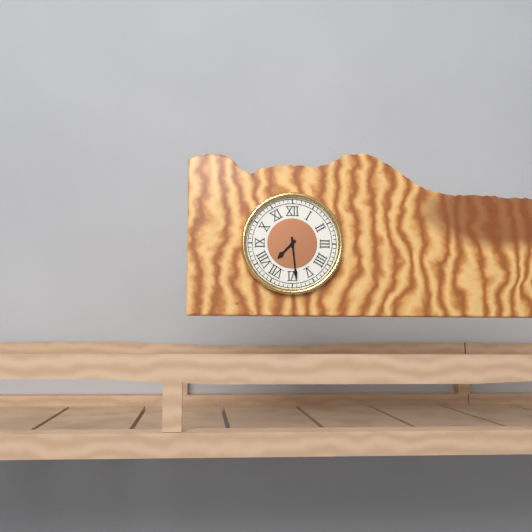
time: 7:29
